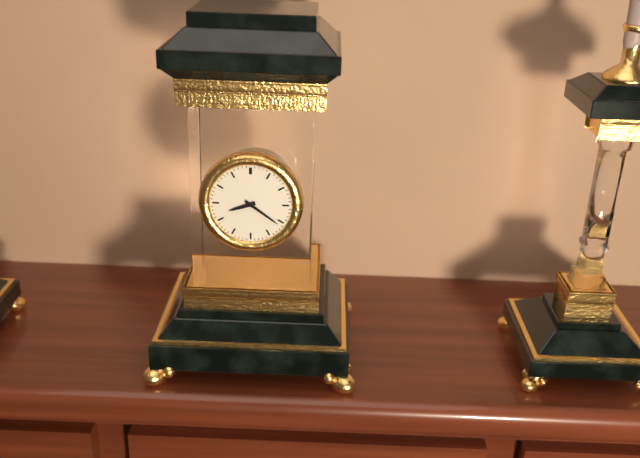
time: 8:21
